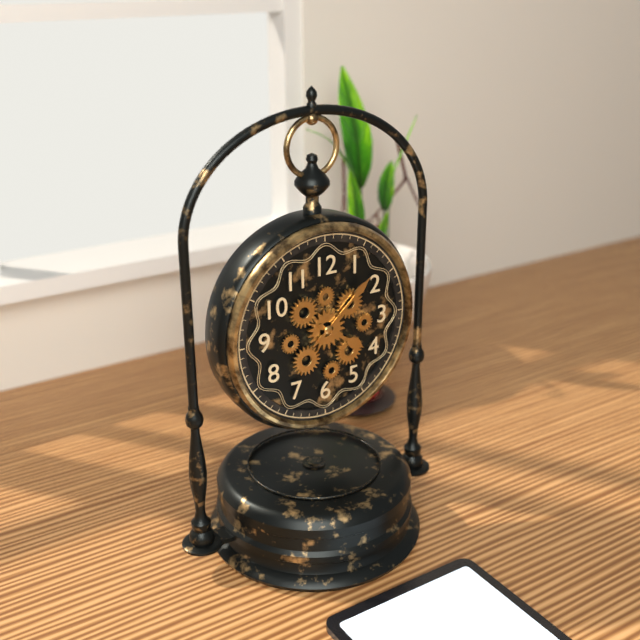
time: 4:08
